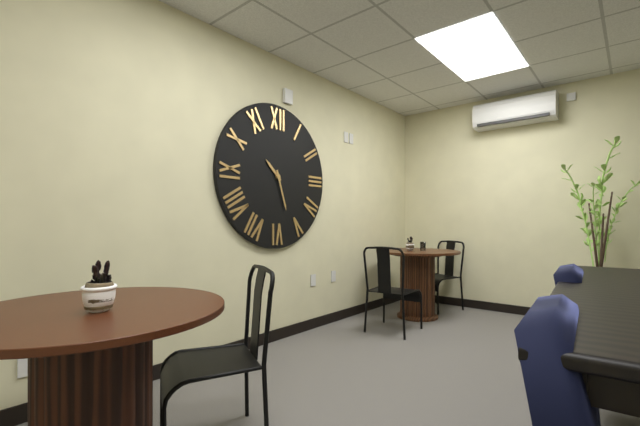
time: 10:27
